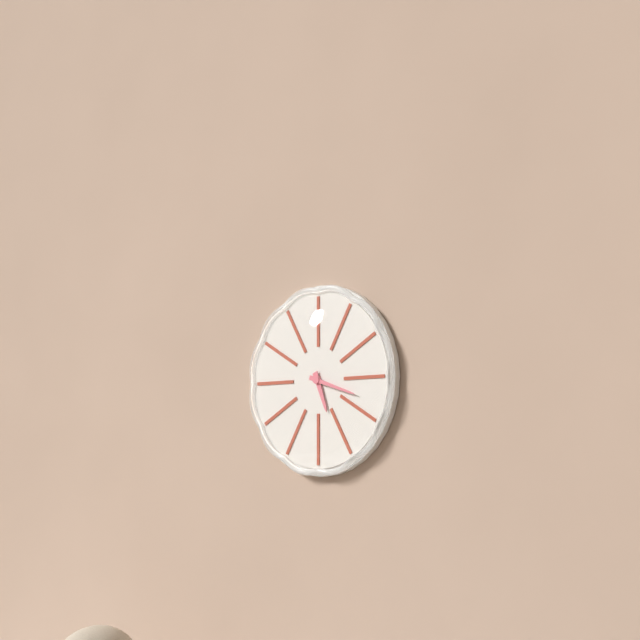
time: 5:18
